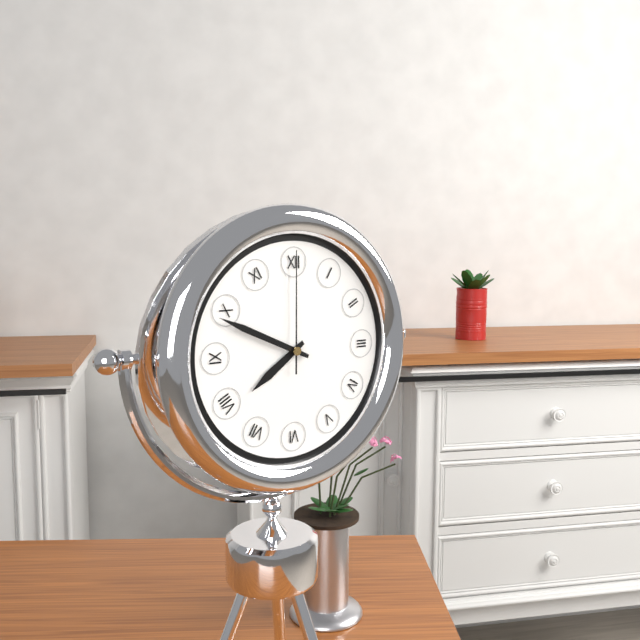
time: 7:49:00
